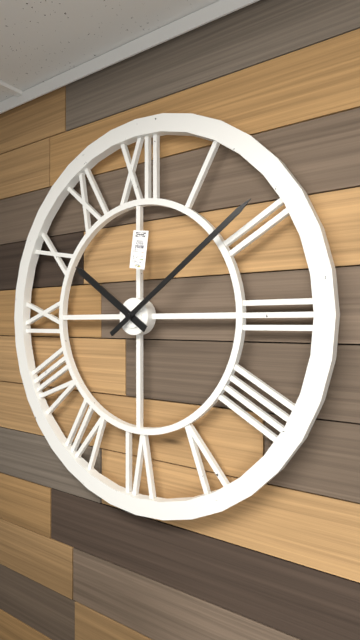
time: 10:09
